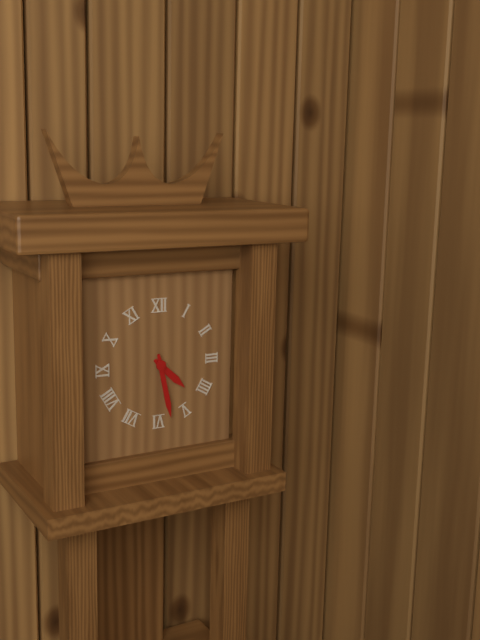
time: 4:28
